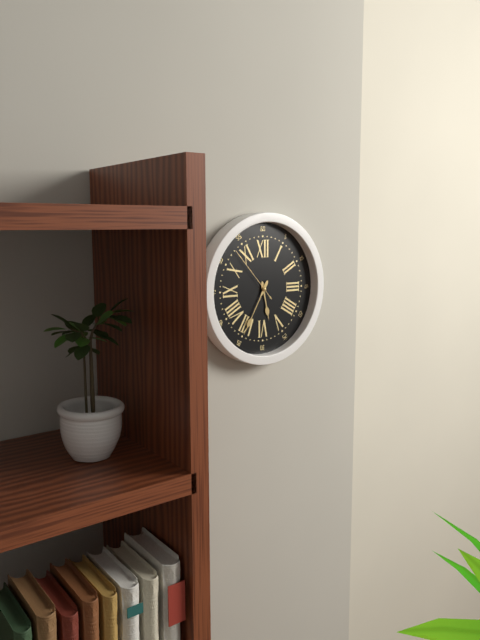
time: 5:35:53
